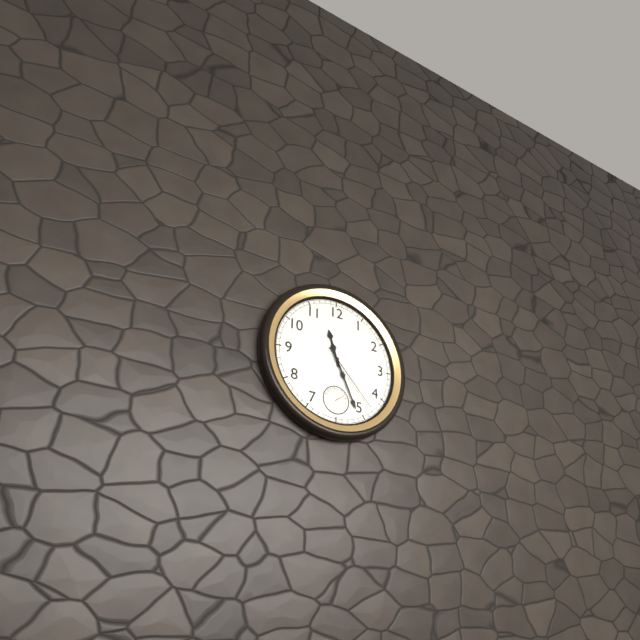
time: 11:26:23
